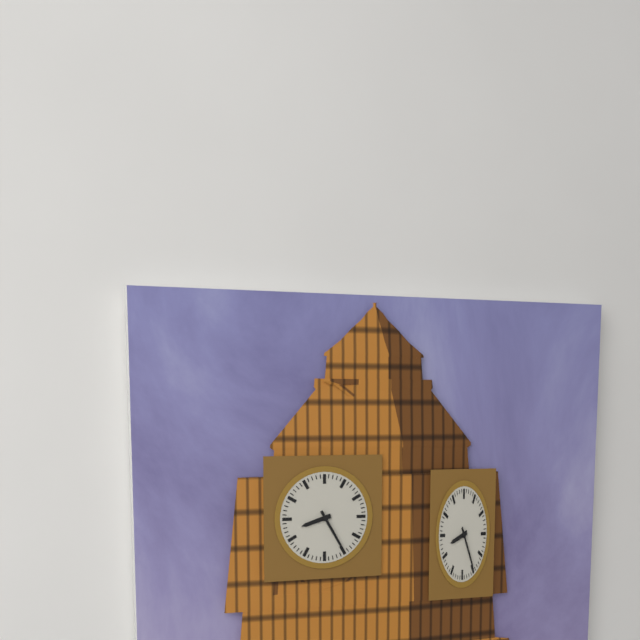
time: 8:25
